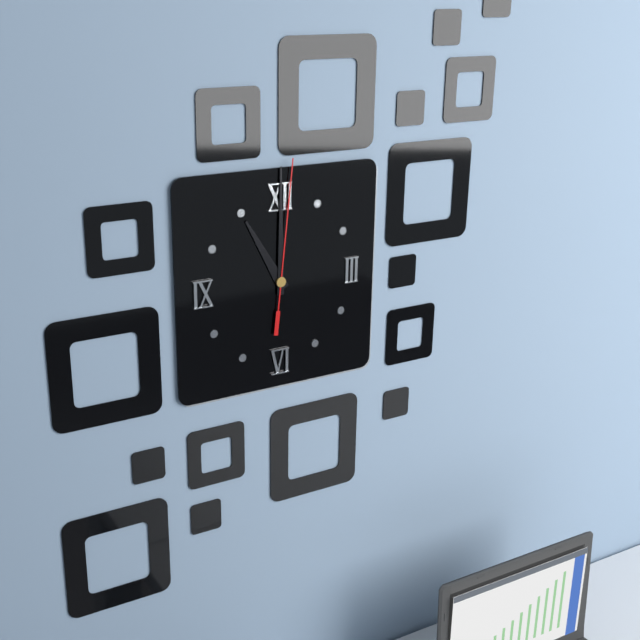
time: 11:00:01
